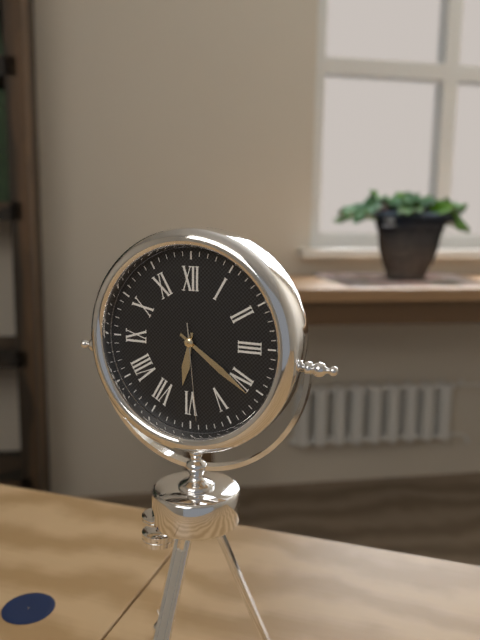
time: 6:21:29
